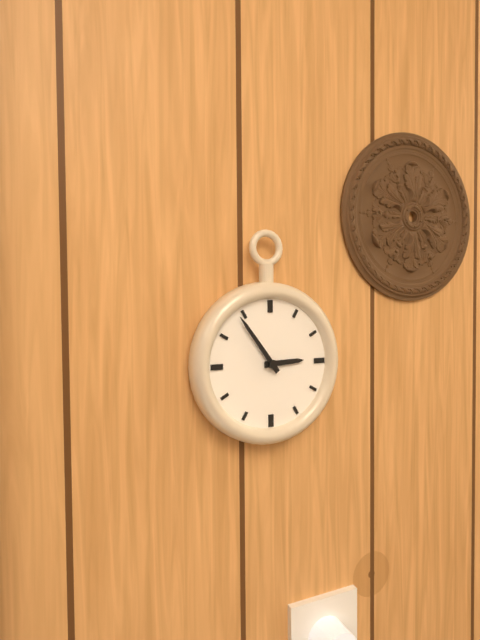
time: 2:54
